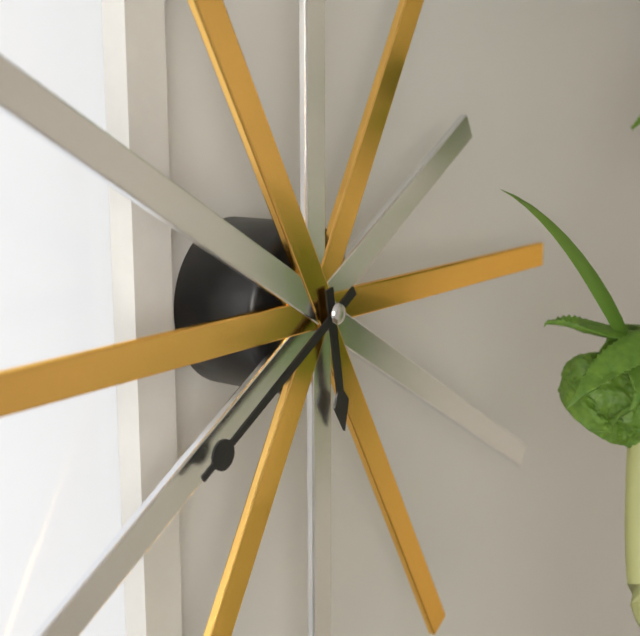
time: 5:40
